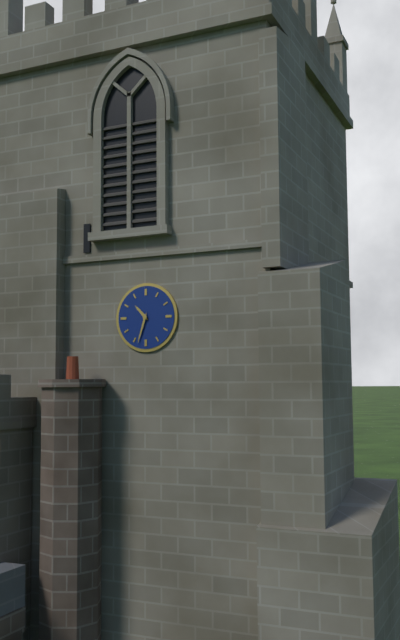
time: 10:33
